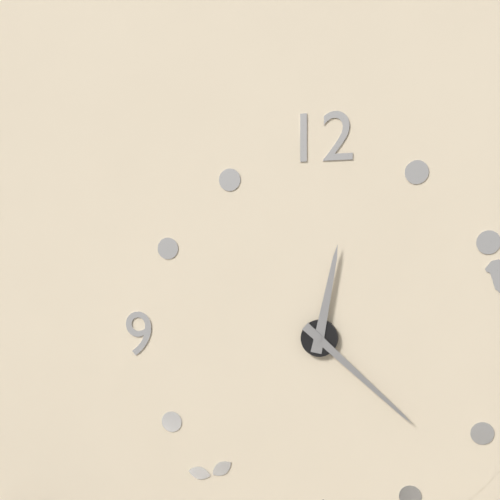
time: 12:22
